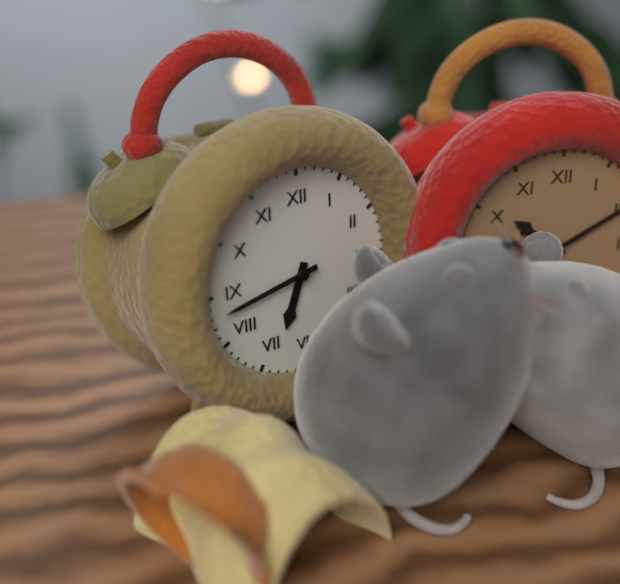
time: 6:43
